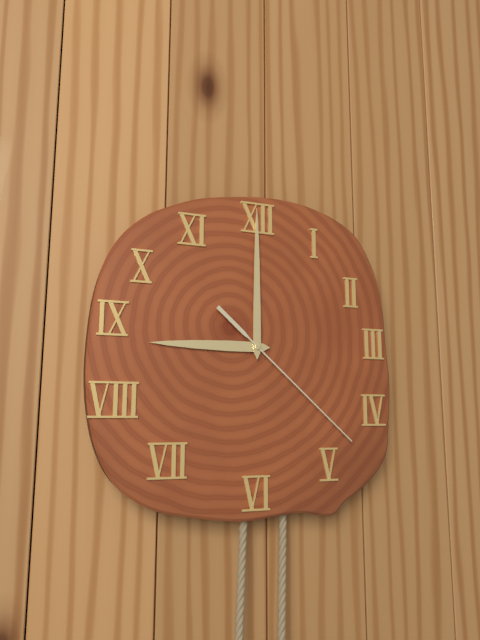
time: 9:00:22
